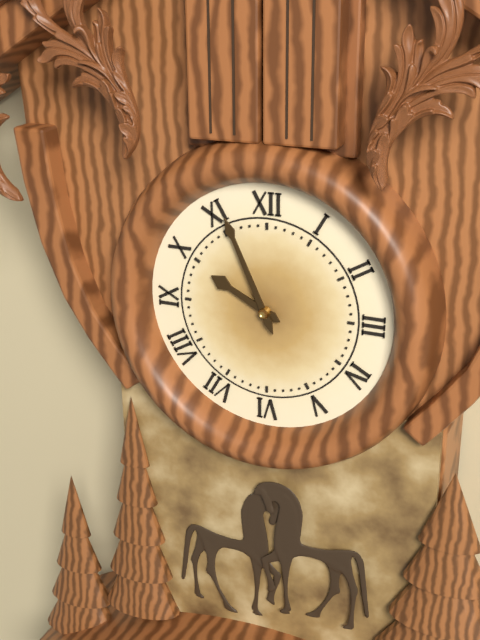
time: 9:56
